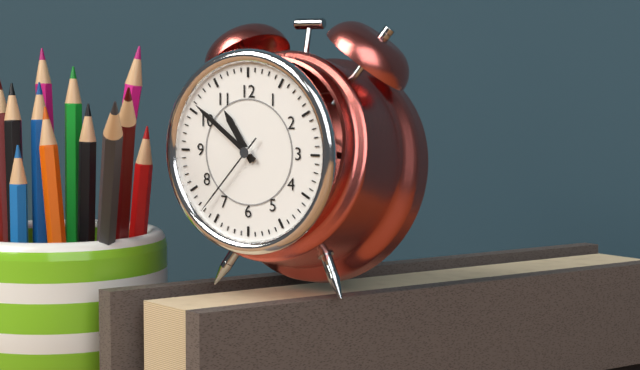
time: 10:51:37
